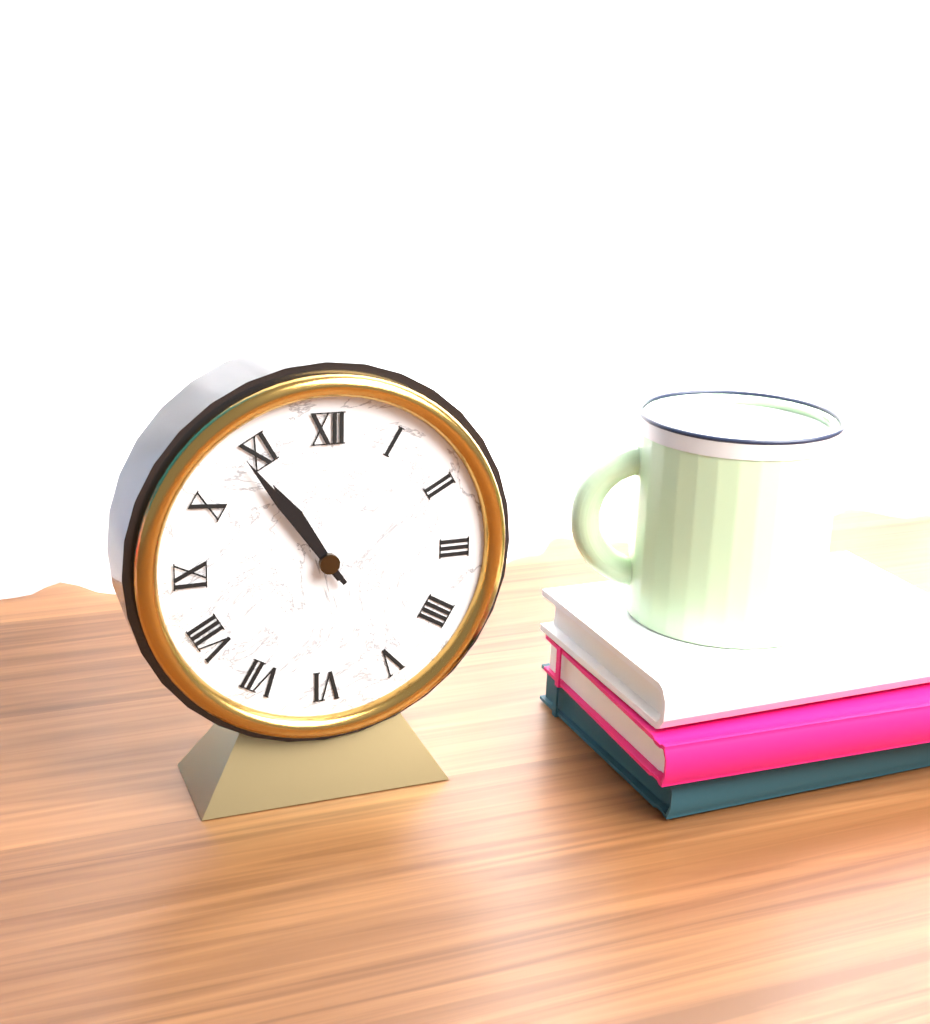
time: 10:54
